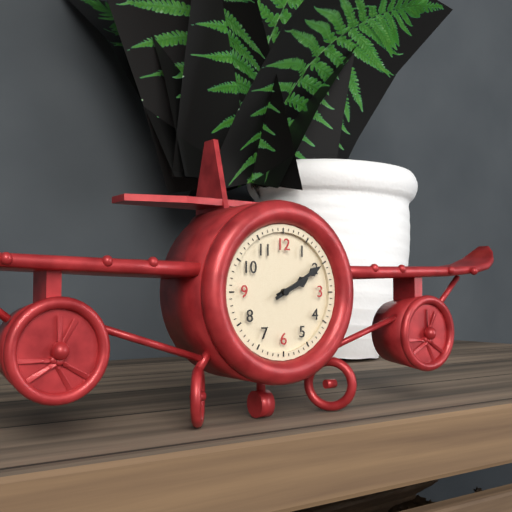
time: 2:10
